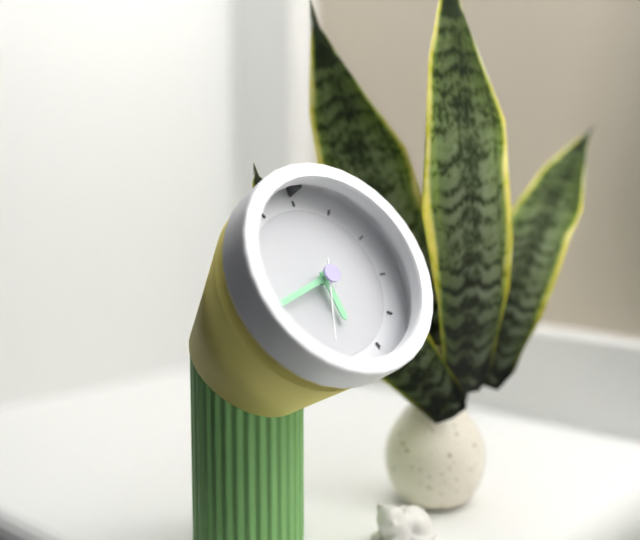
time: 5:42:33
